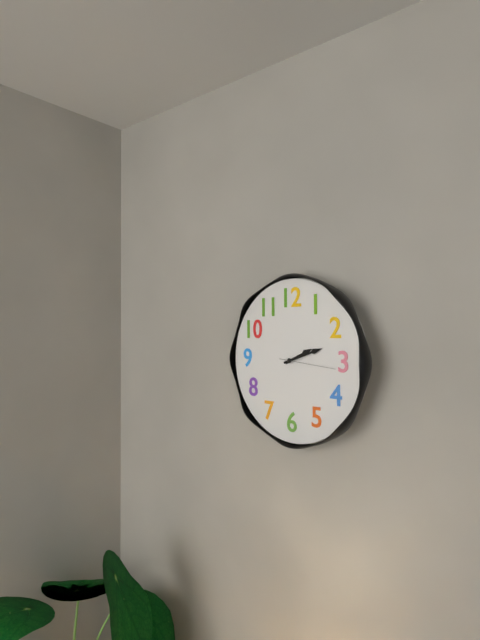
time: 2:12:16
